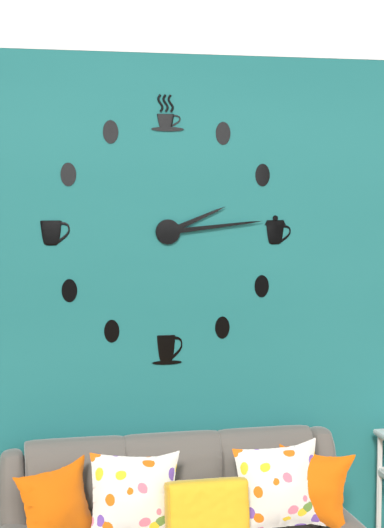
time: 2:14
